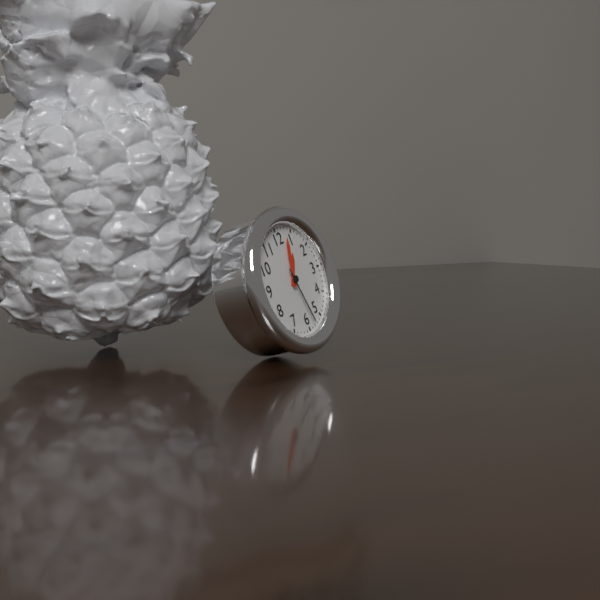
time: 1:03:28
